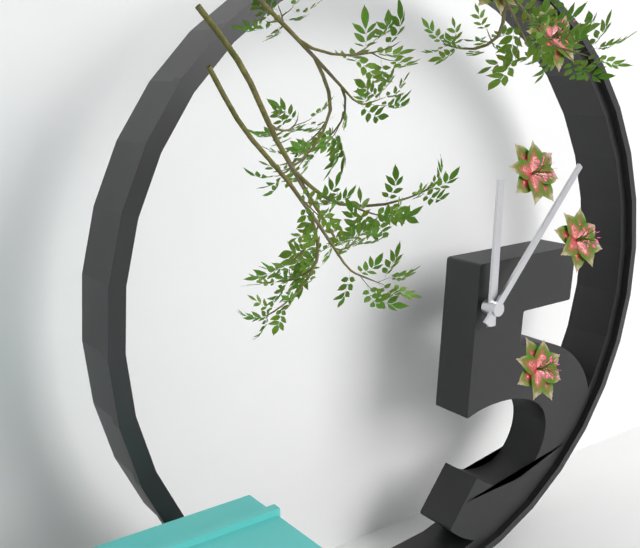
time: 12:07
